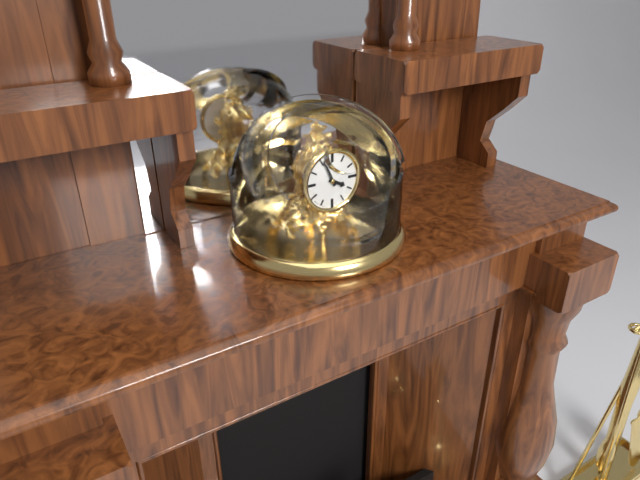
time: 3:56
